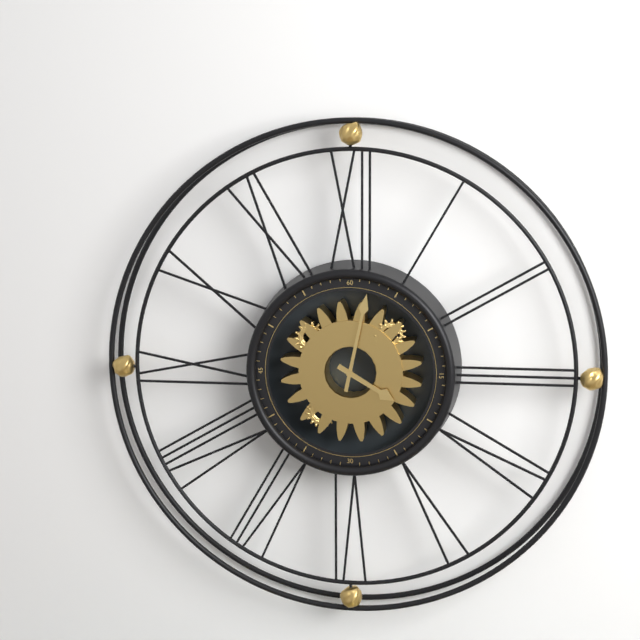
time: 4:02
